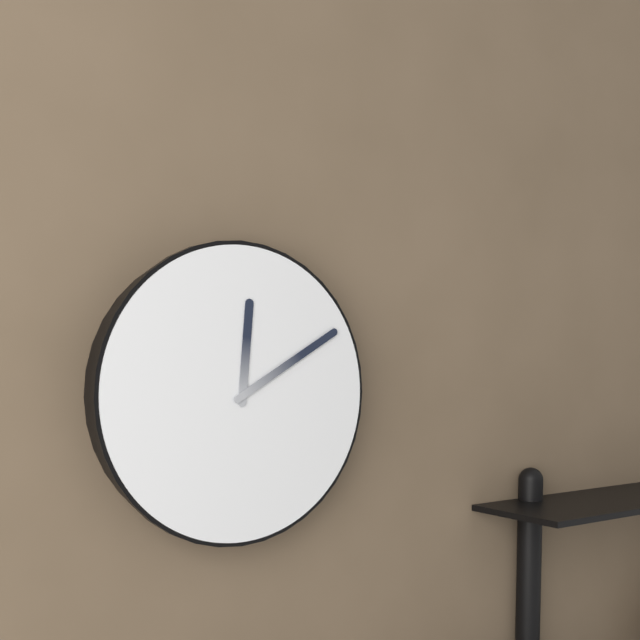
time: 12:10
